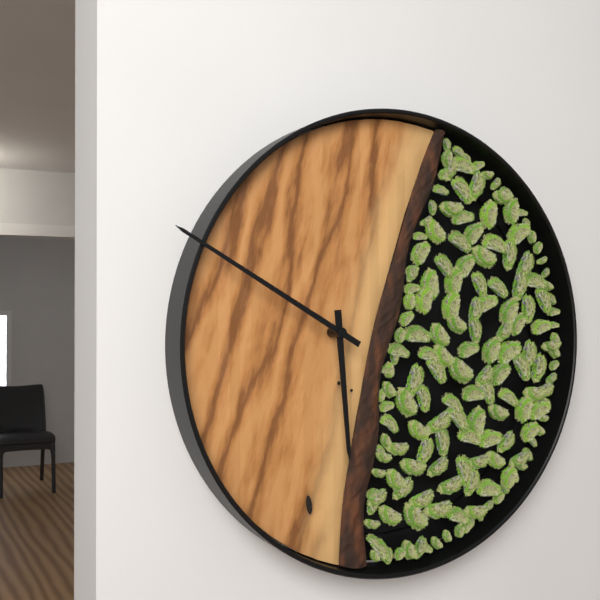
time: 5:50
